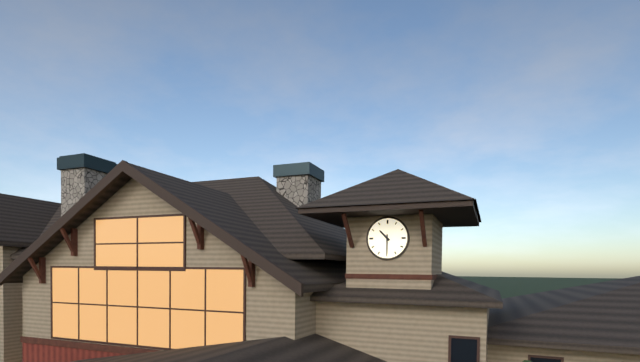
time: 10:30
